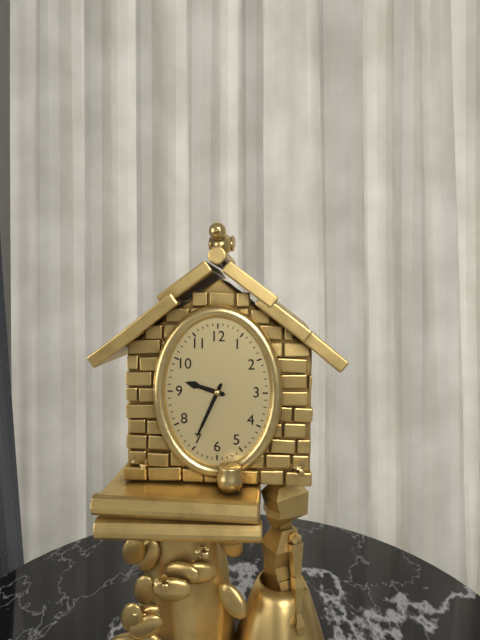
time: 9:34
